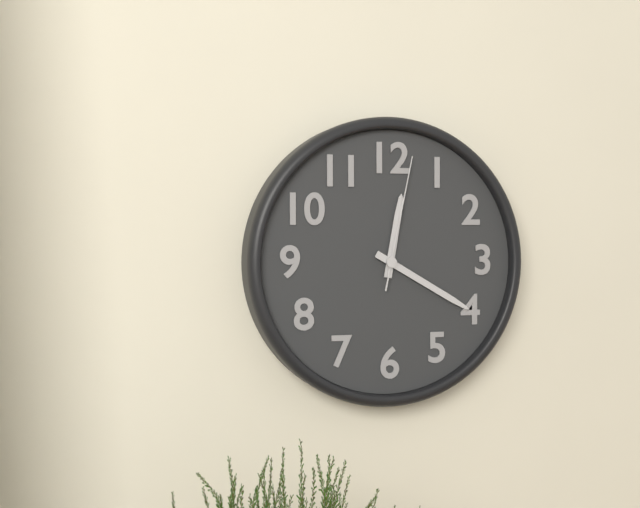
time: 12:20:02
